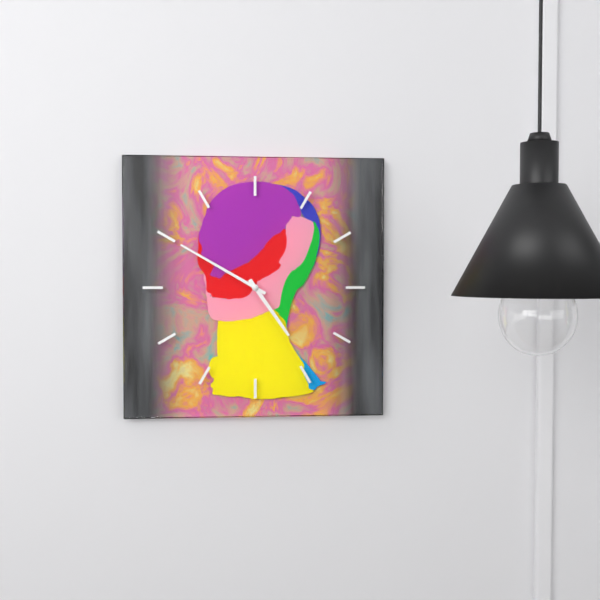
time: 4:50
